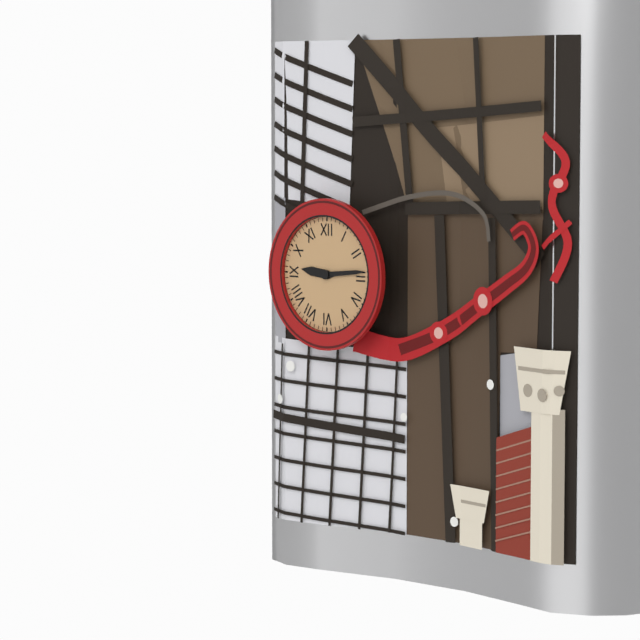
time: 9:14
